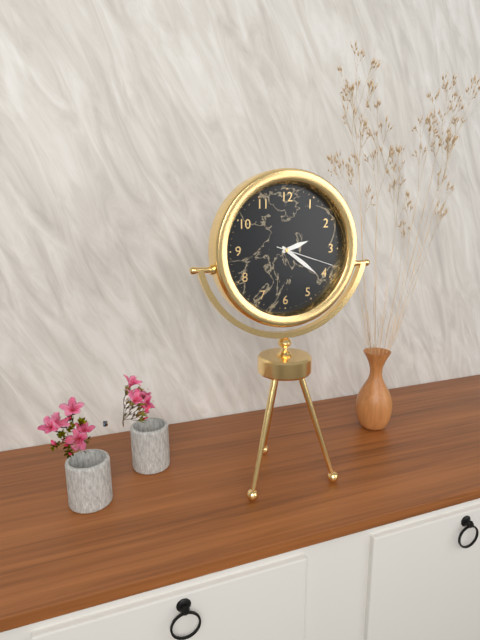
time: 2:21:18
